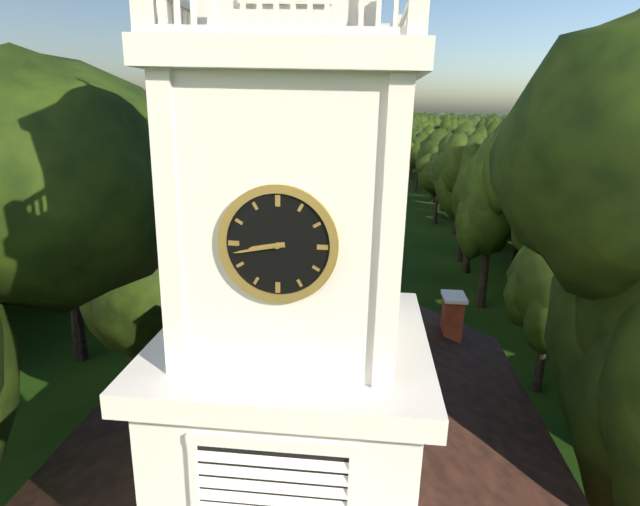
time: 8:43
